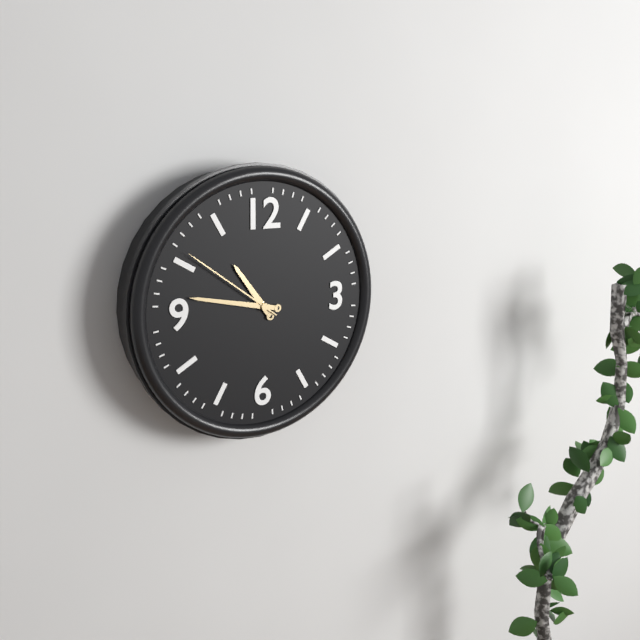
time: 10:47:51
